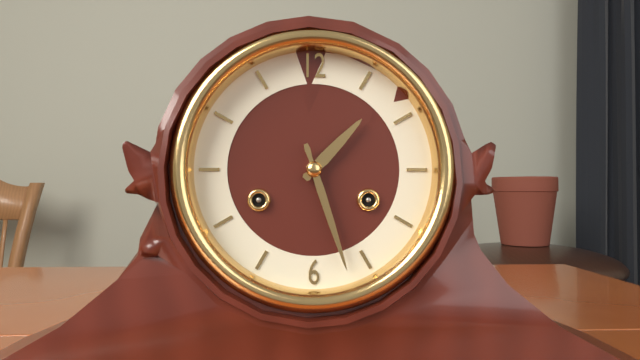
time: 1:27
